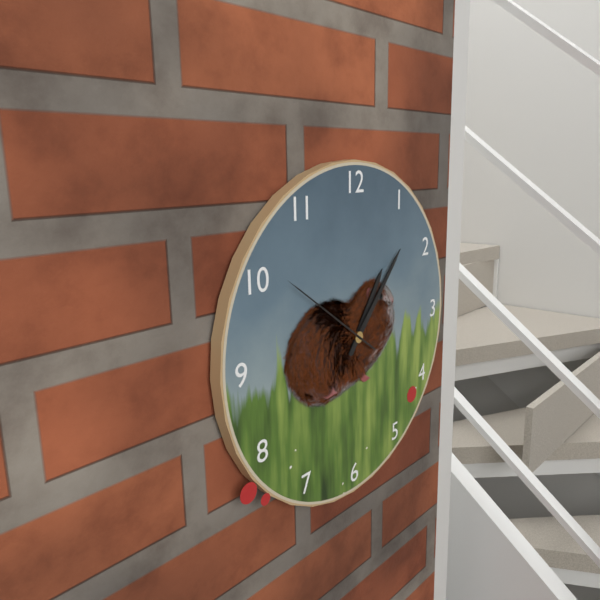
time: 1:07:51
